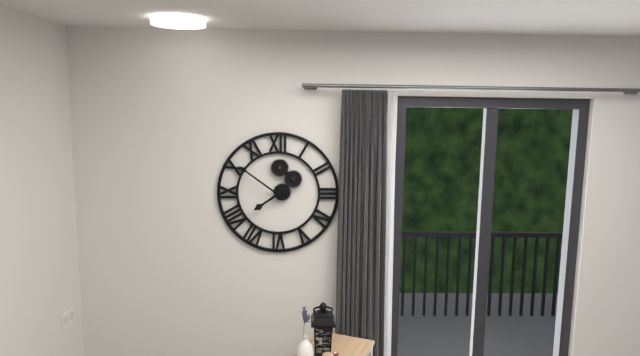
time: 7:51
